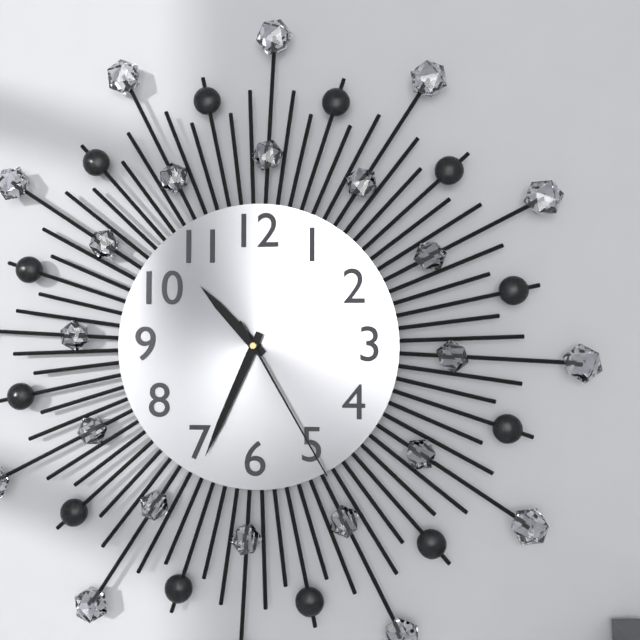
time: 10:34:25
